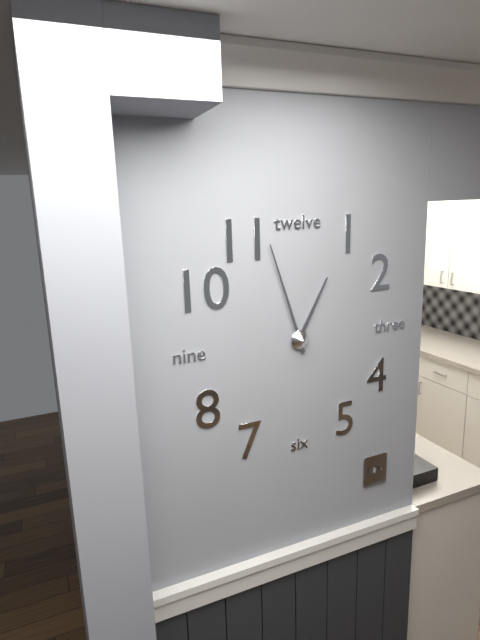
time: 12:57
